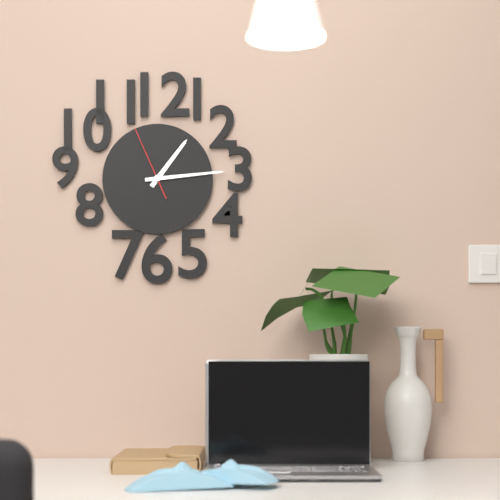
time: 1:14:56
